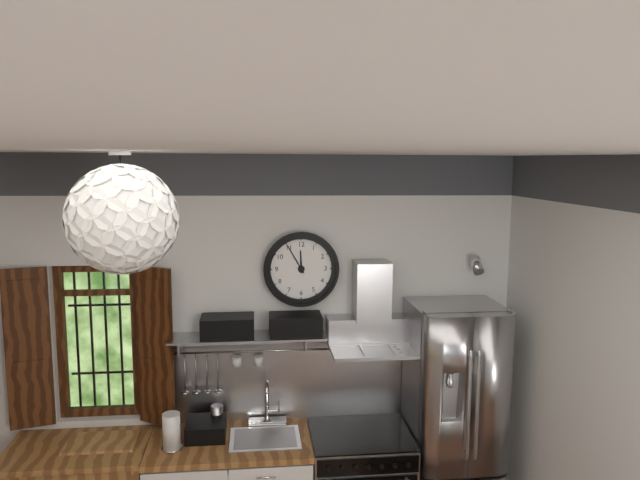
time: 11:55
